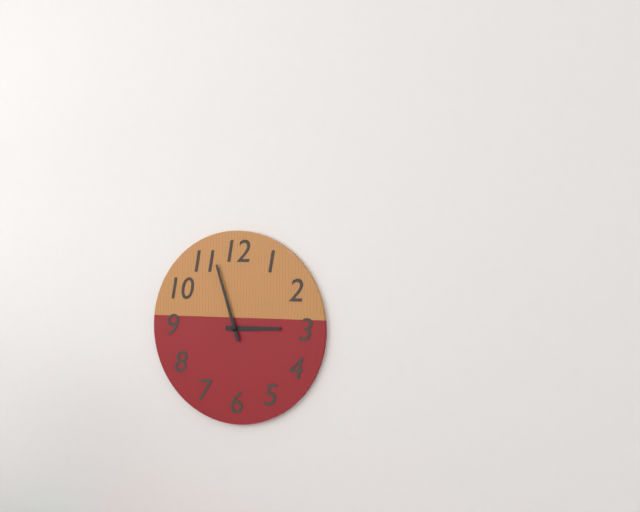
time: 2:57
